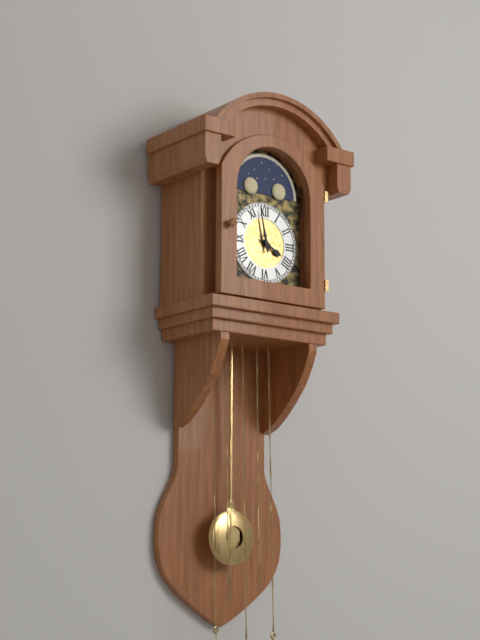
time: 3:58
